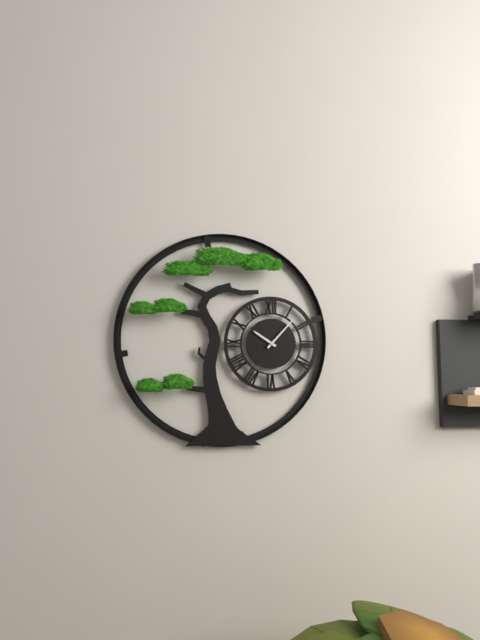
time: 10:07
